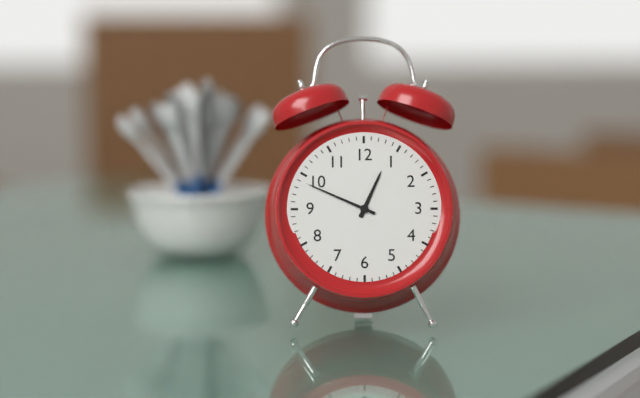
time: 12:49
